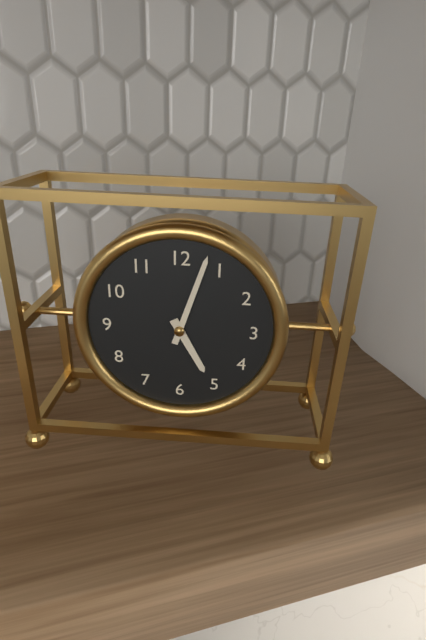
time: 5:03
